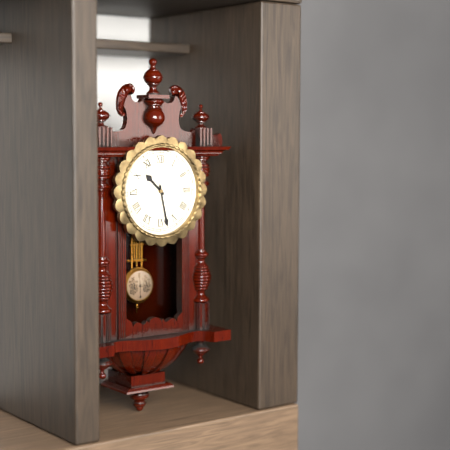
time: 10:28
